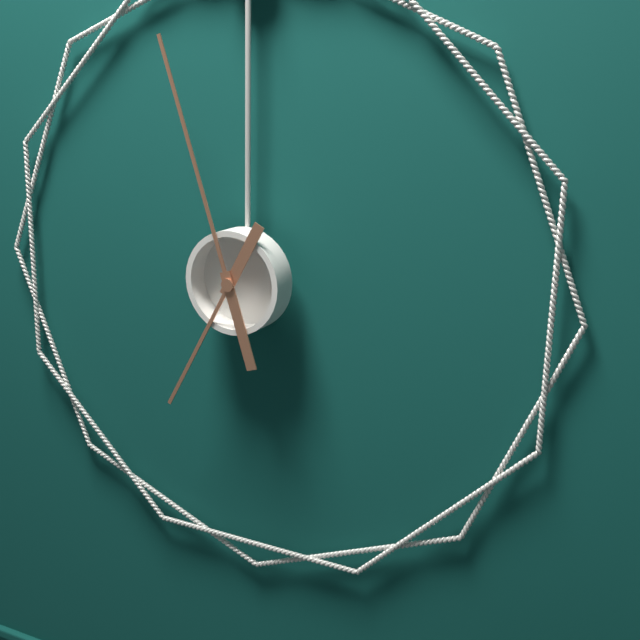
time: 6:57
